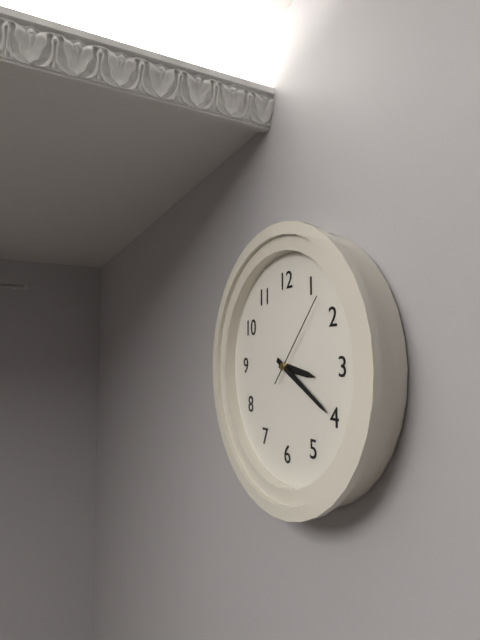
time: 3:20:07
